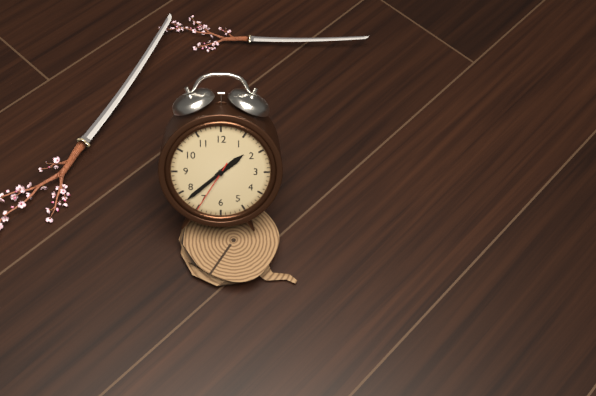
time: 1:38:35
